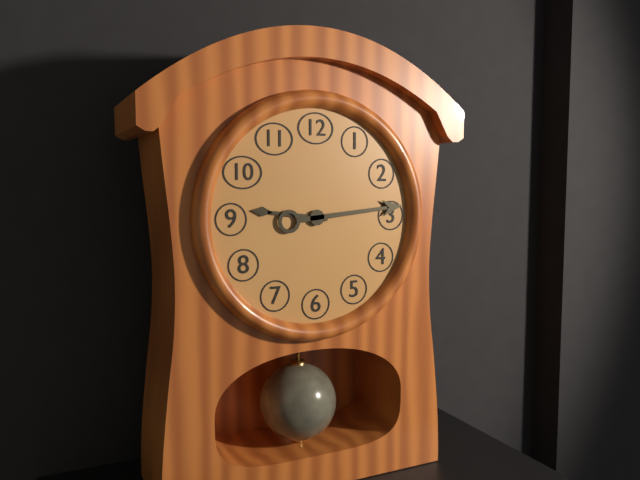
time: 9:14
